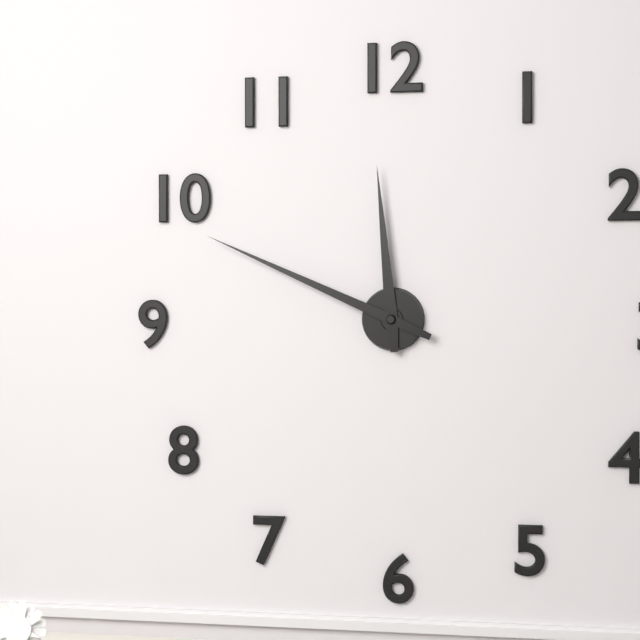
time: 11:49
